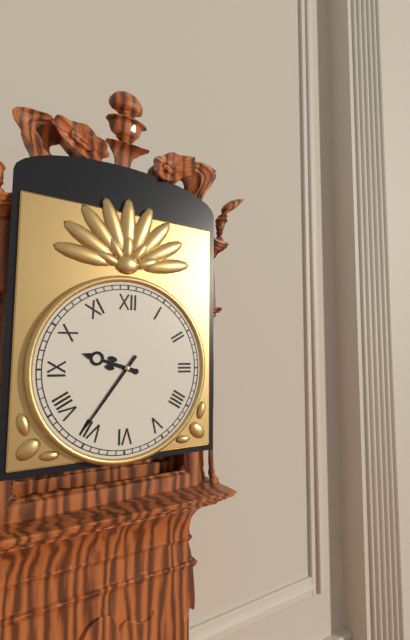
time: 9:36
